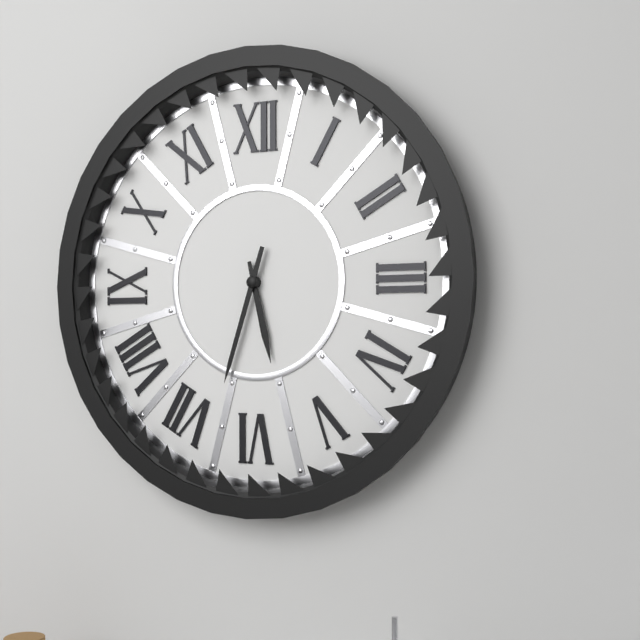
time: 5:33
